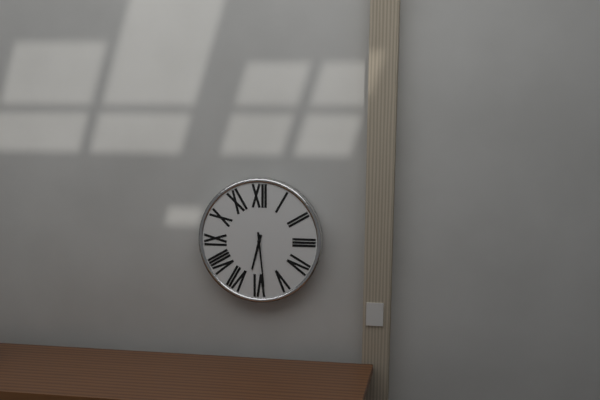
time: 6:29
